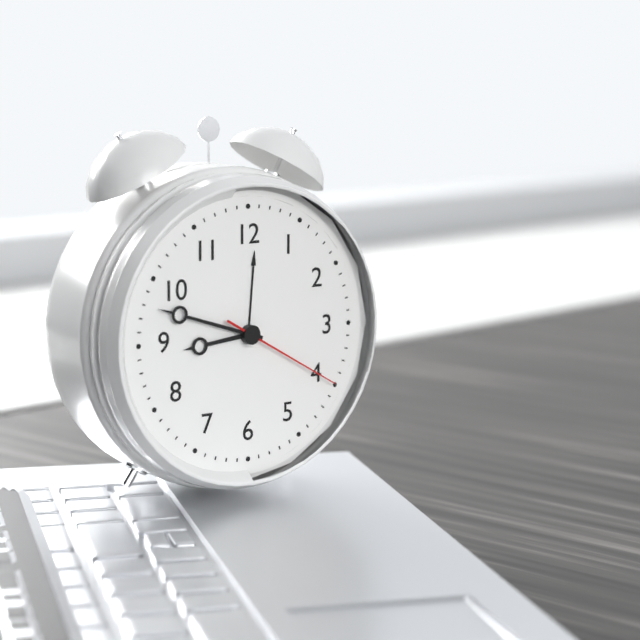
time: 8:48:20
